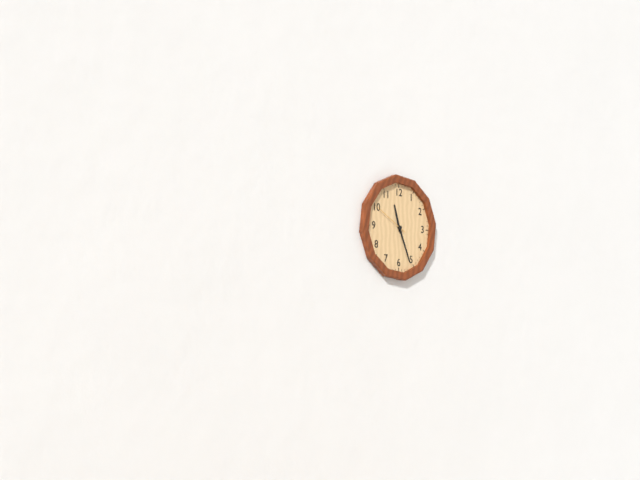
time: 11:26
